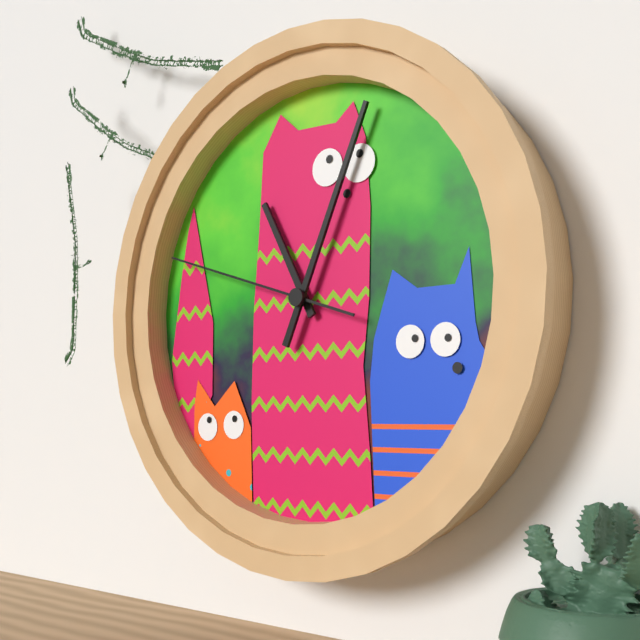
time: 11:04:48
